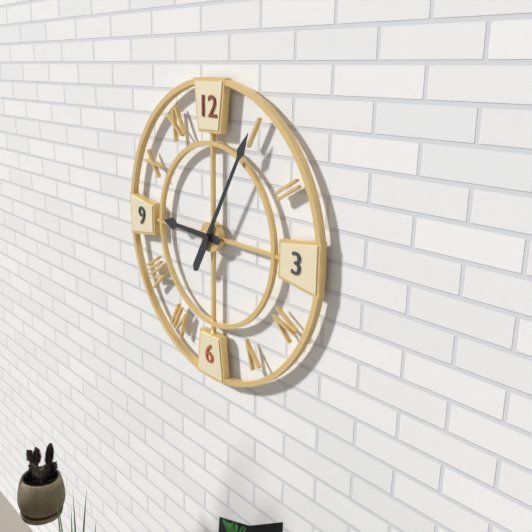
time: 9:05
